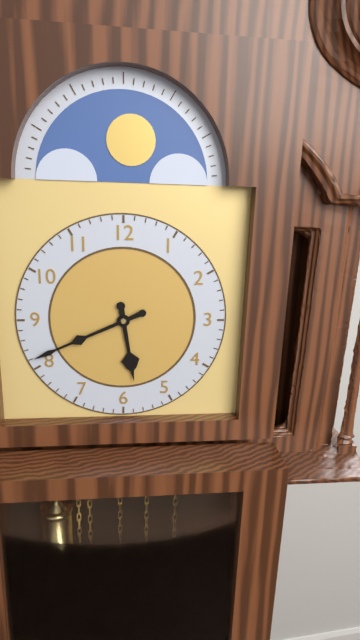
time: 5:41
